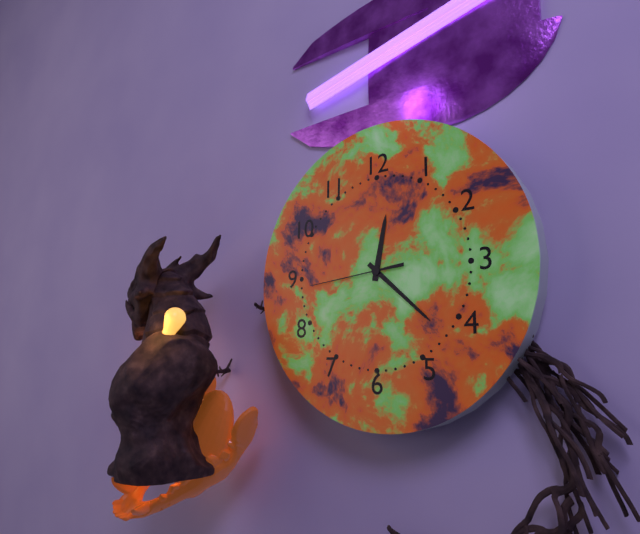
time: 12:22:44
